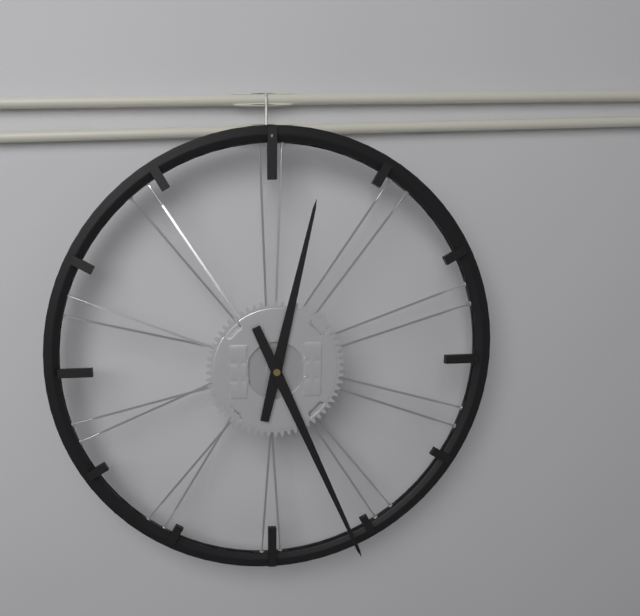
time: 12:26
